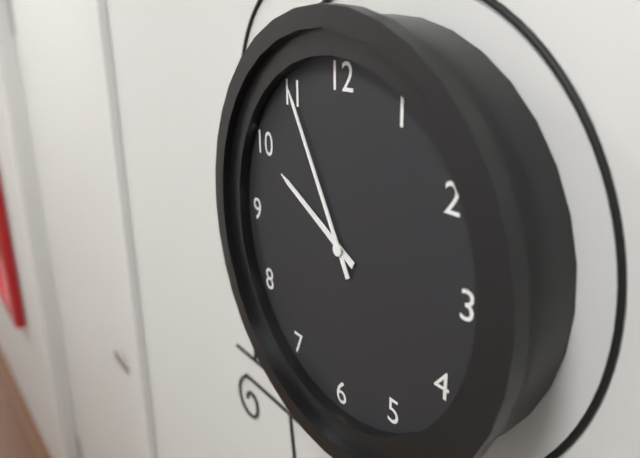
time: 9:55
